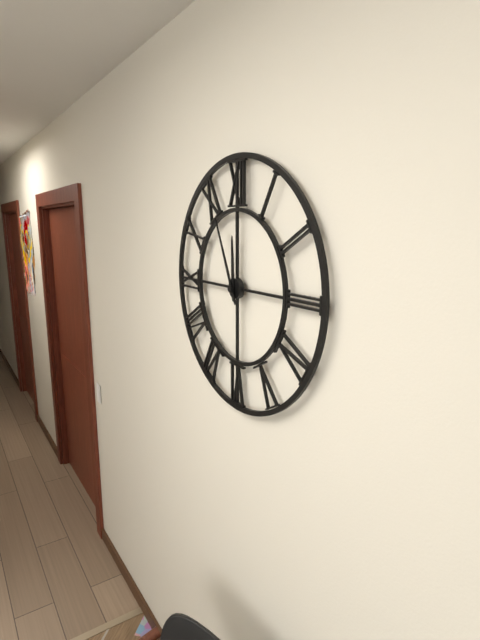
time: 11:56
